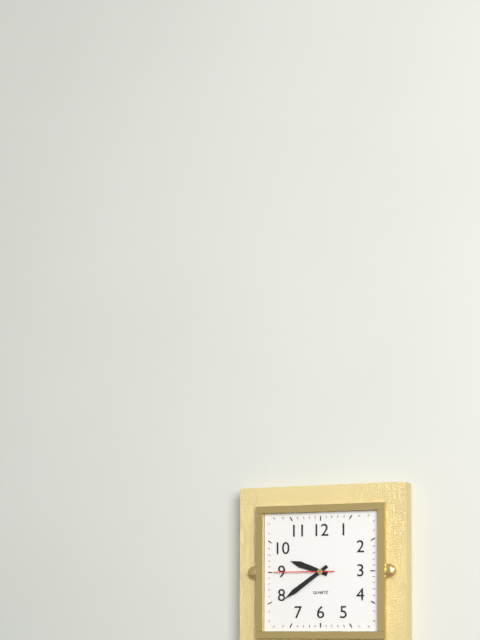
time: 9:39:45
